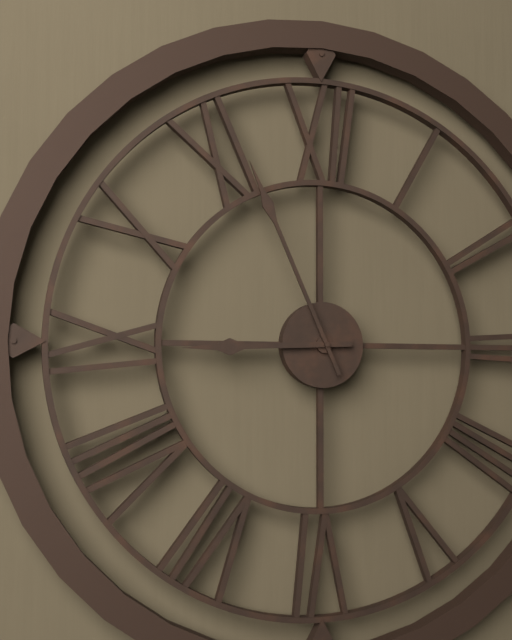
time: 8:56
